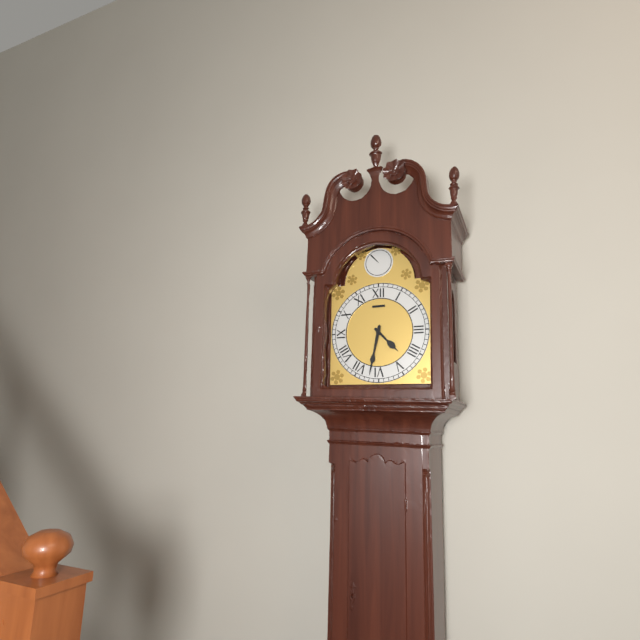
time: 4:32
